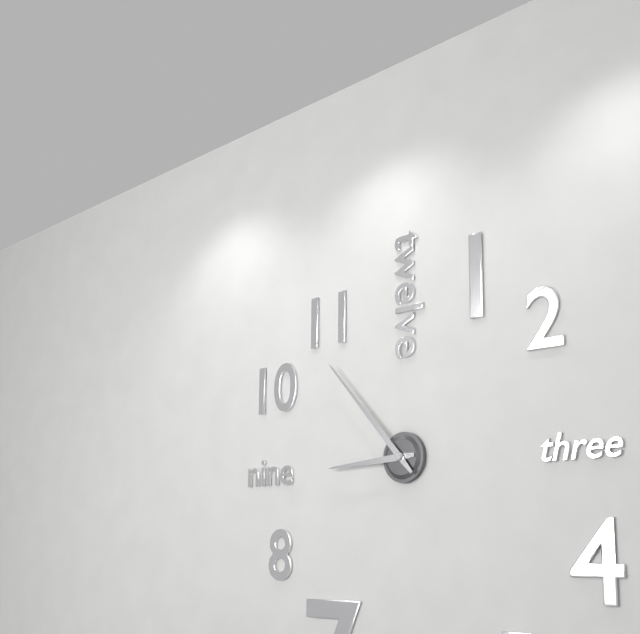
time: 8:53
